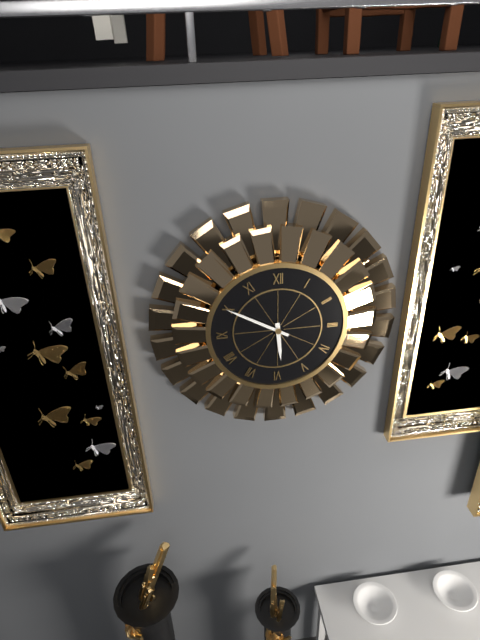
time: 5:50
